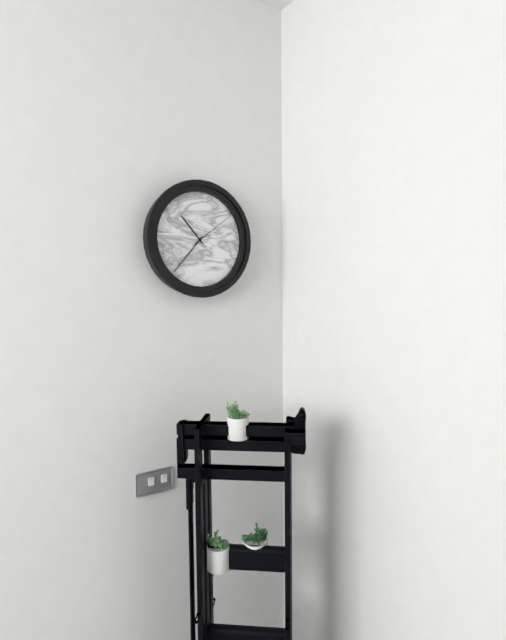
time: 10:37
